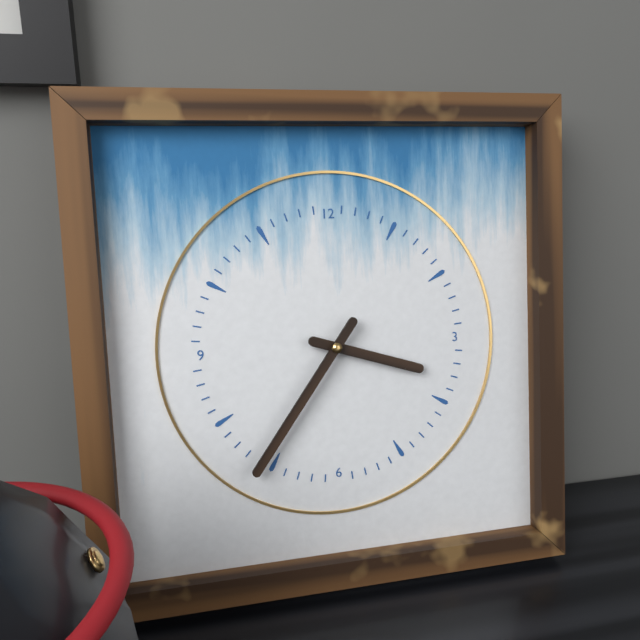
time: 3:36
